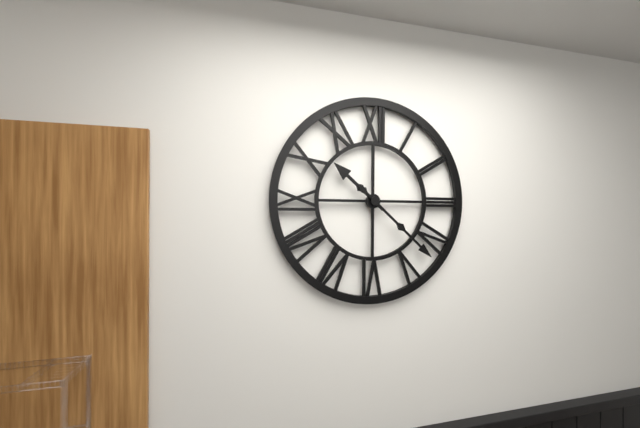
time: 10:22
